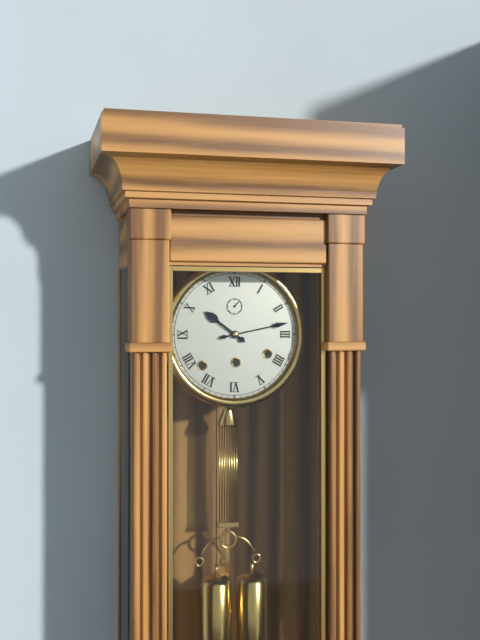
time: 10:13
